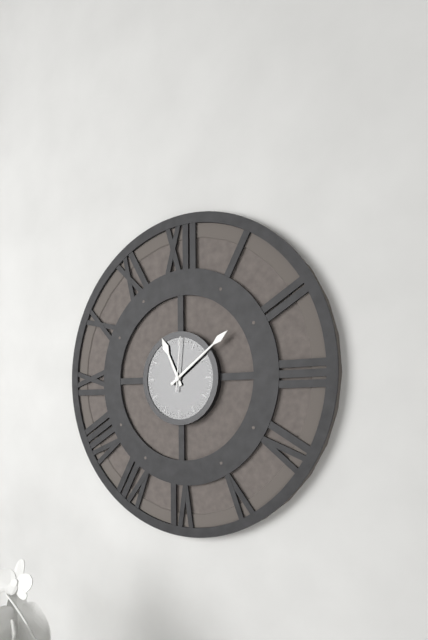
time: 11:09:01
